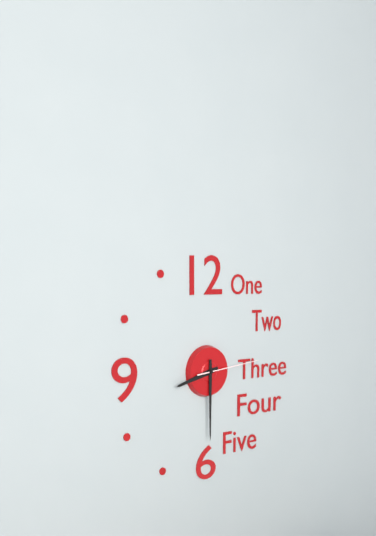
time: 8:30:14
